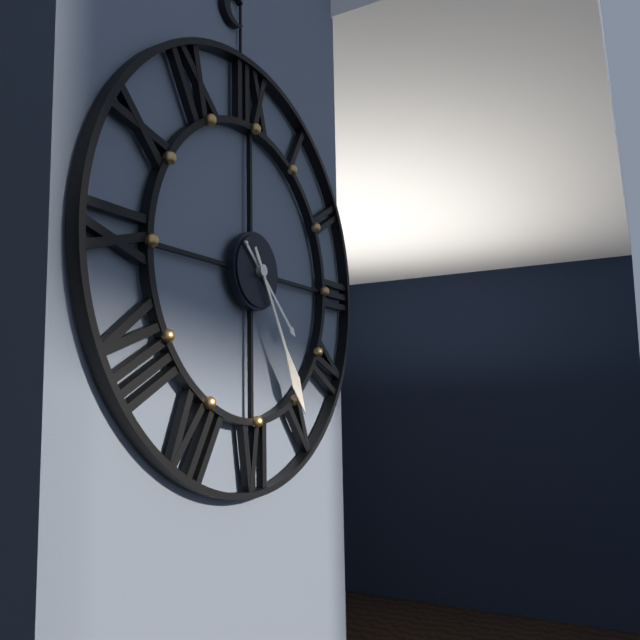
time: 4:25
